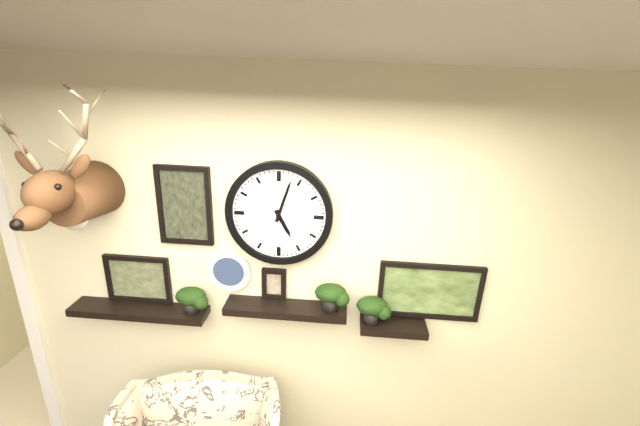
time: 5:03
